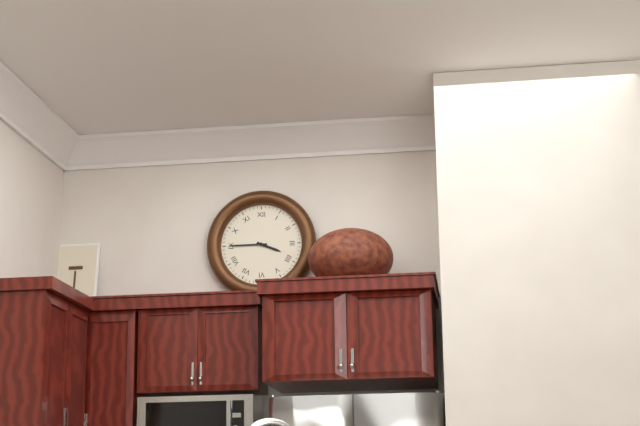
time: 3:45
